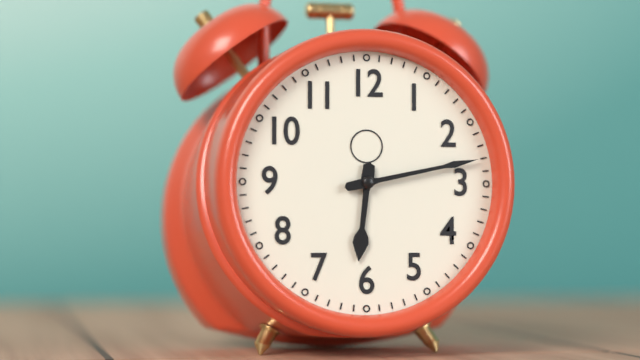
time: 6:13
